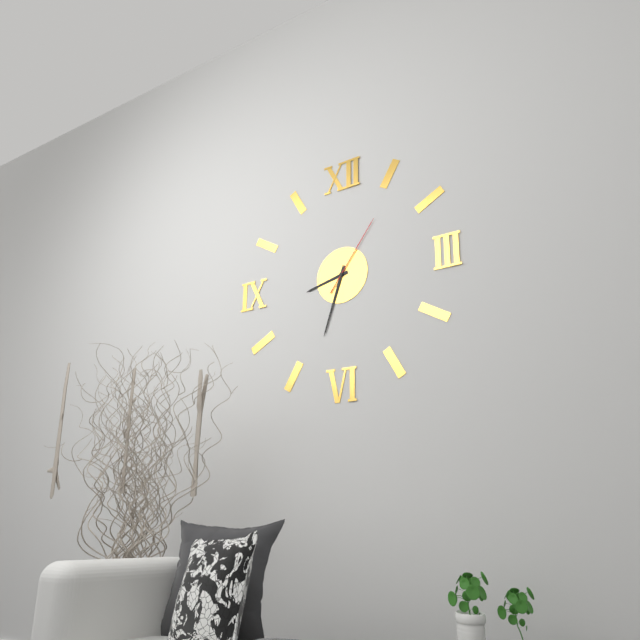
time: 8:33:06
